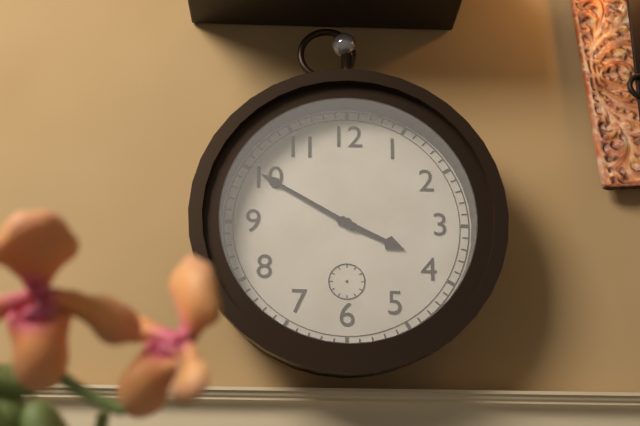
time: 3:50
